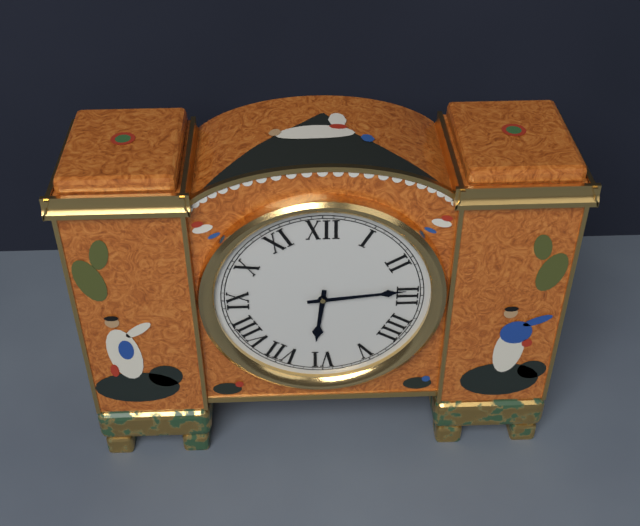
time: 6:14
